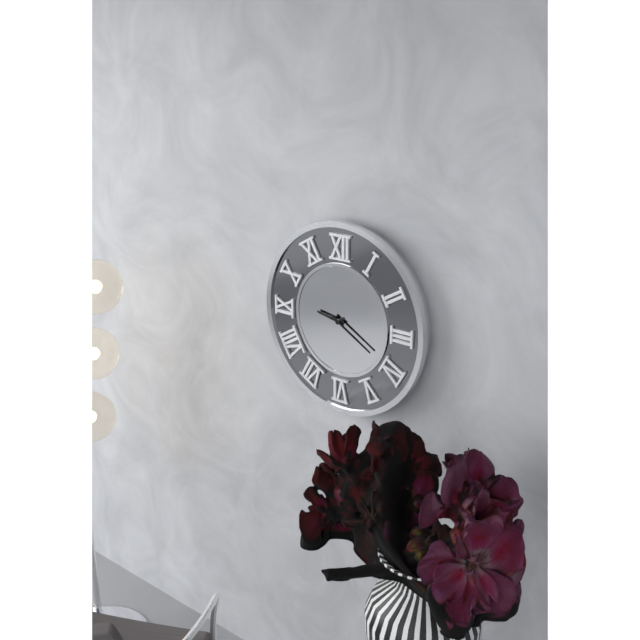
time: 9:20
